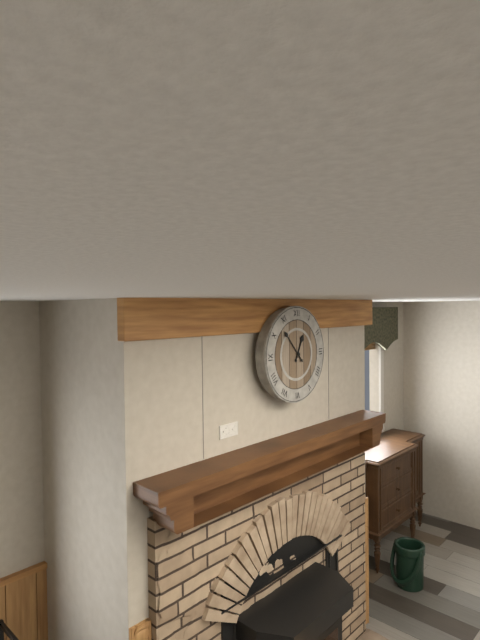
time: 12:53
